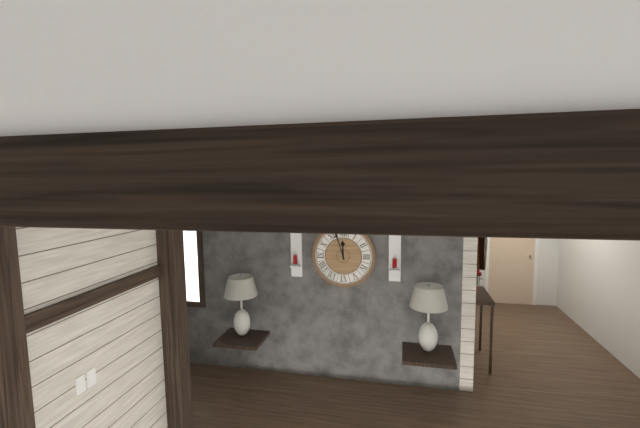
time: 11:57
